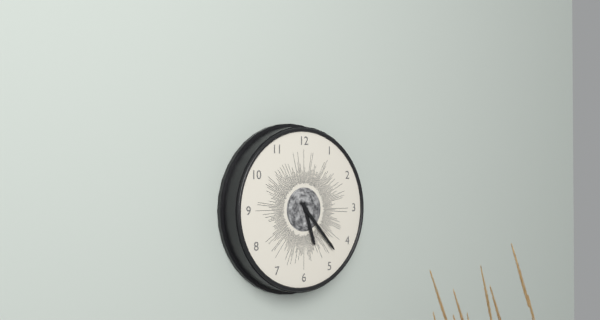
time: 5:23
